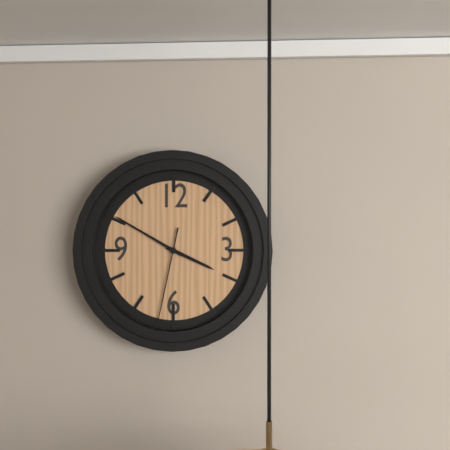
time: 3:50:32
